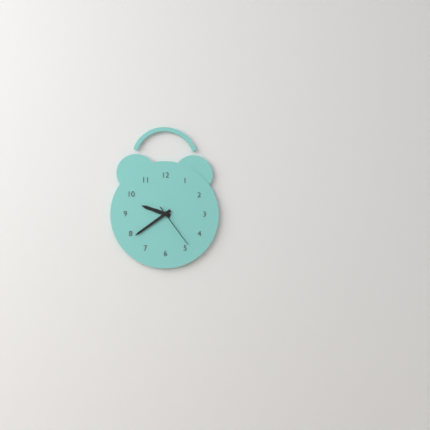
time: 9:39
